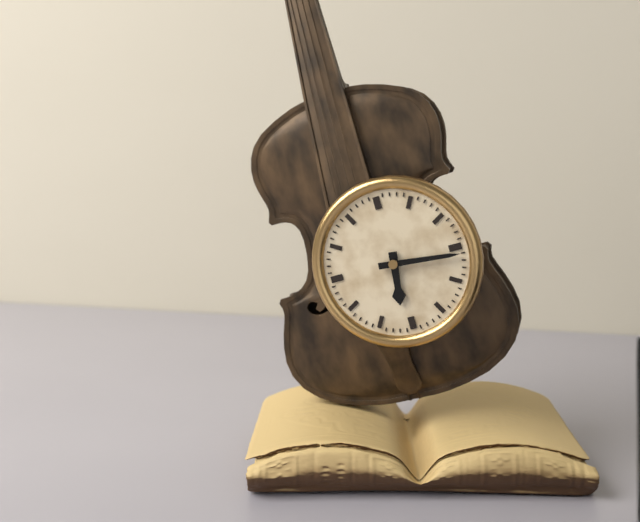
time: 6:16
